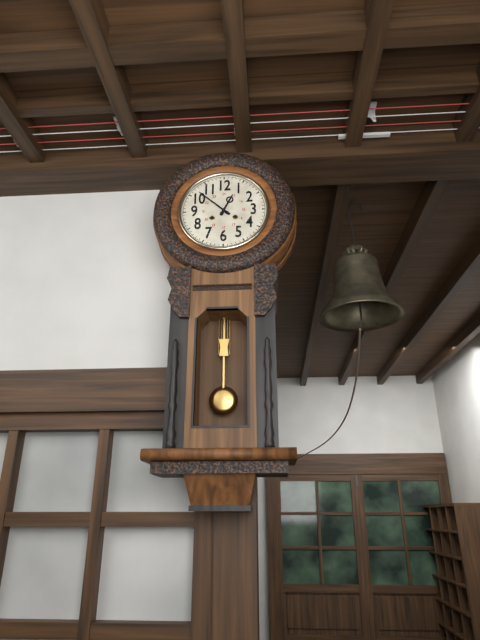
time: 12:52
